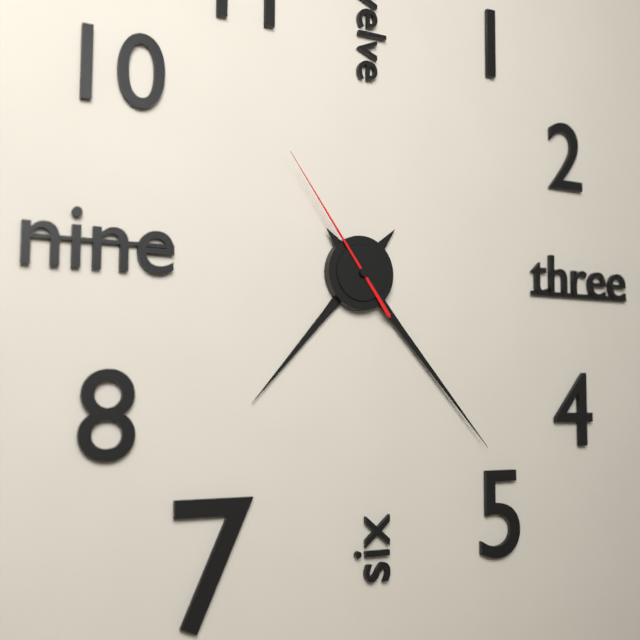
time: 7:23:54
